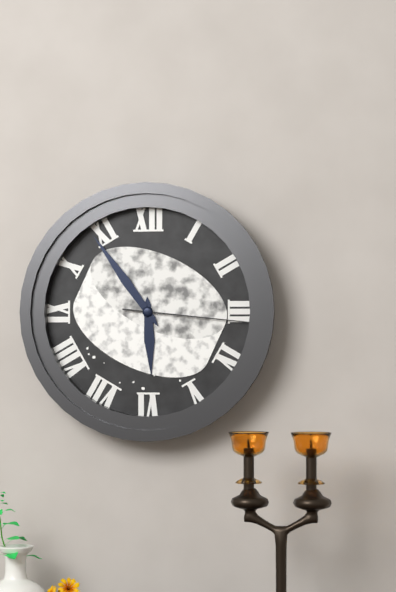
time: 5:54:16
